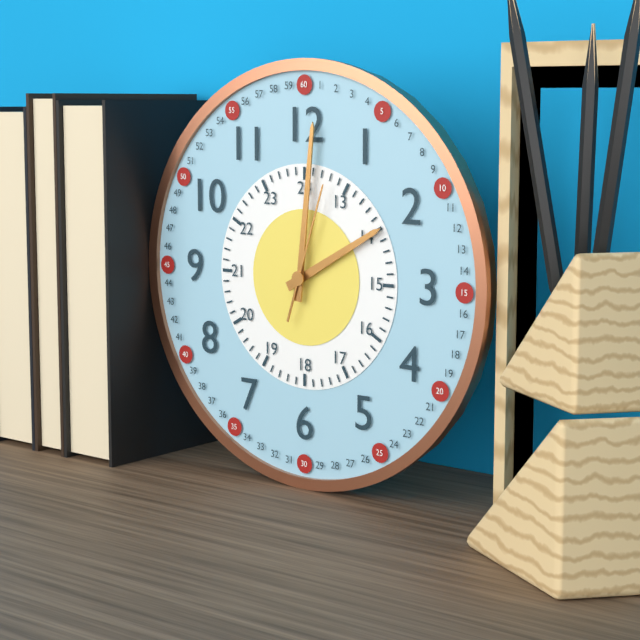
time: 2:01:03
